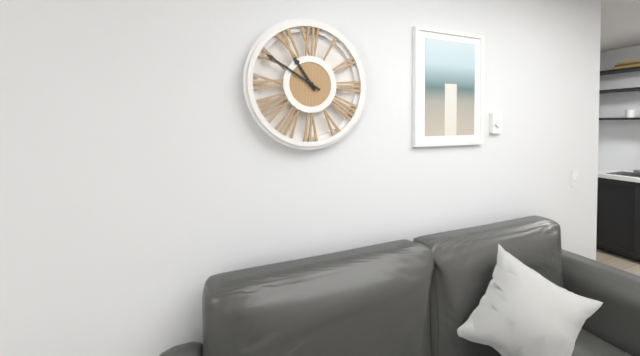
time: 10:50
